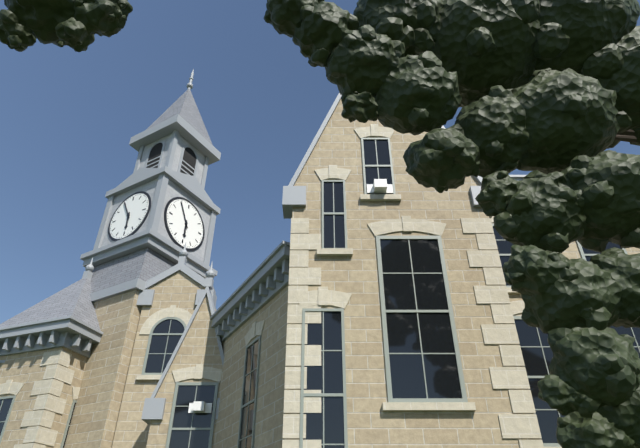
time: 5:55
